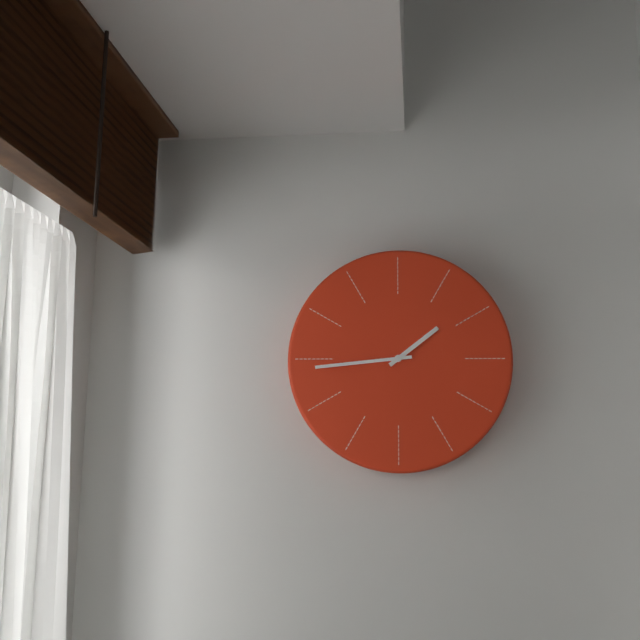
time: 1:44
